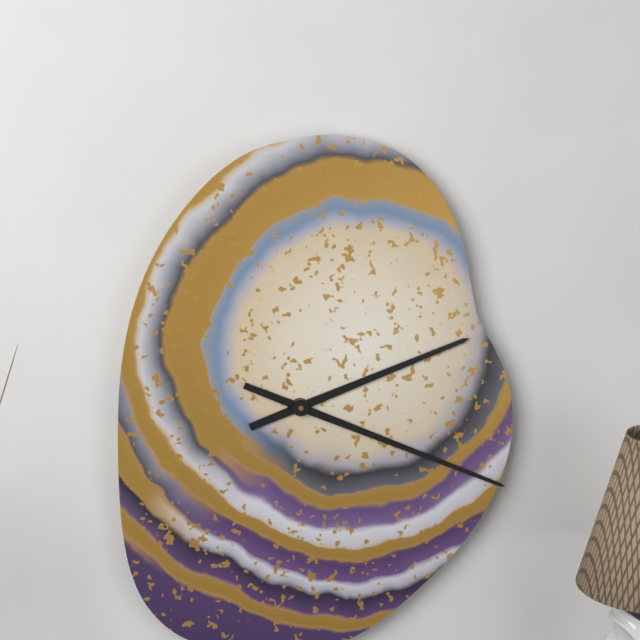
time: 2:19
